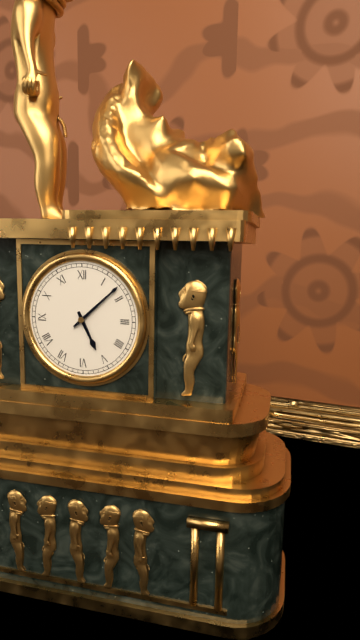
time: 5:08
